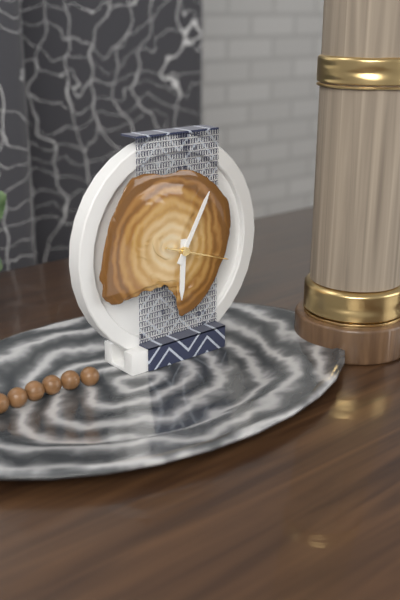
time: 6:05:18
